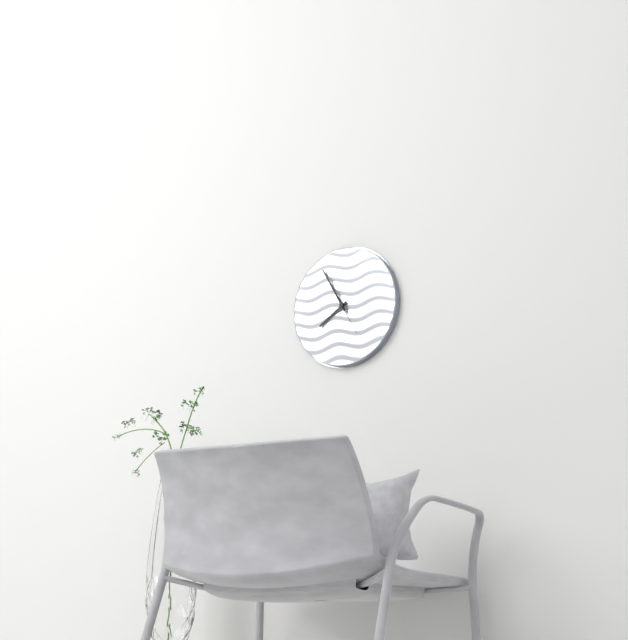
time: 7:55
